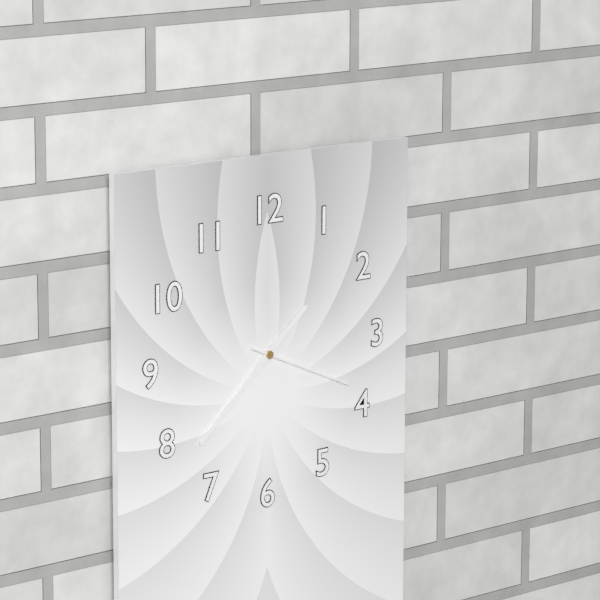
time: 1:38:19
